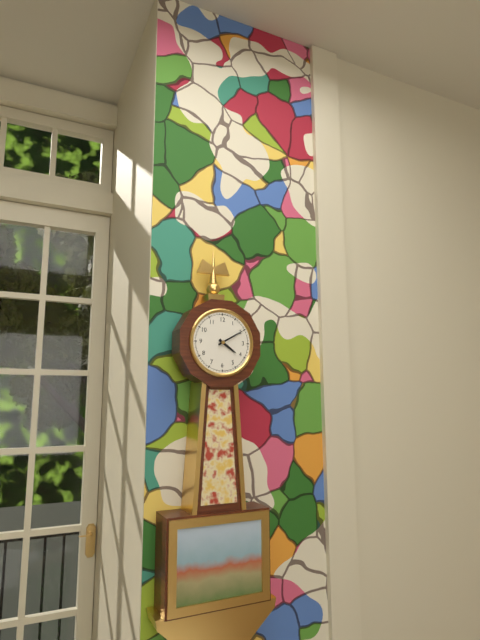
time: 4:10
